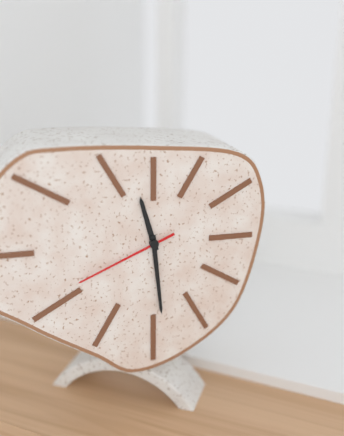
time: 11:29:41
